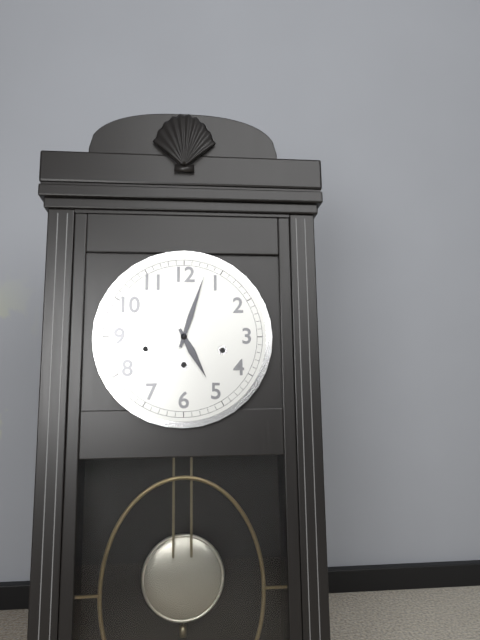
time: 5:03
